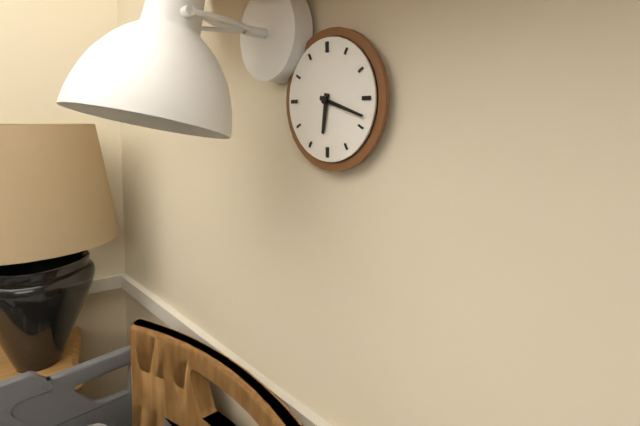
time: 6:18
